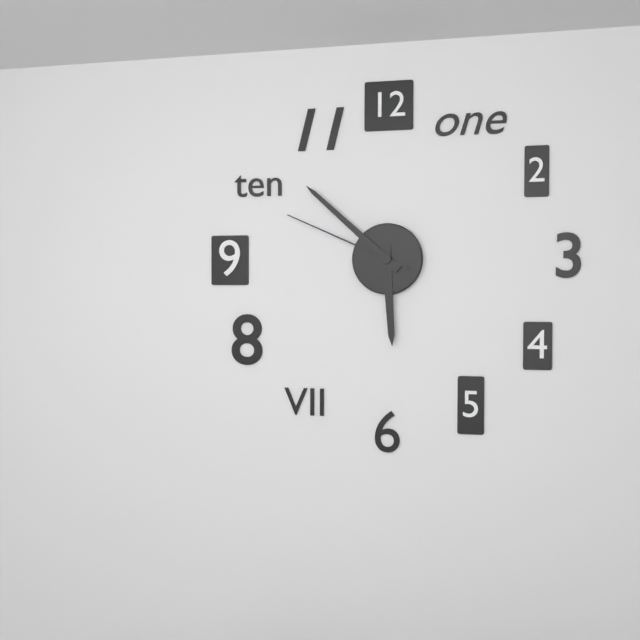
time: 5:52:49
